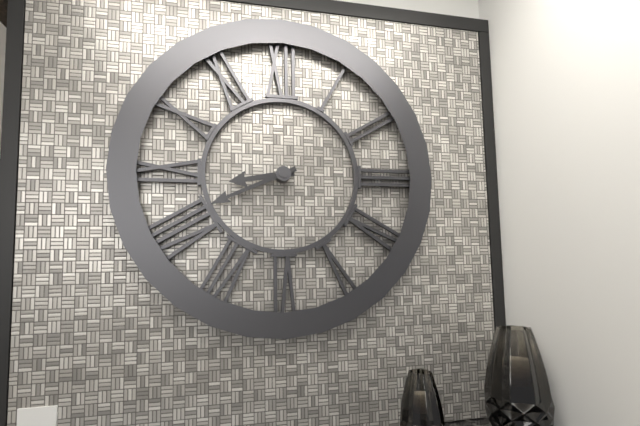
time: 8:41
